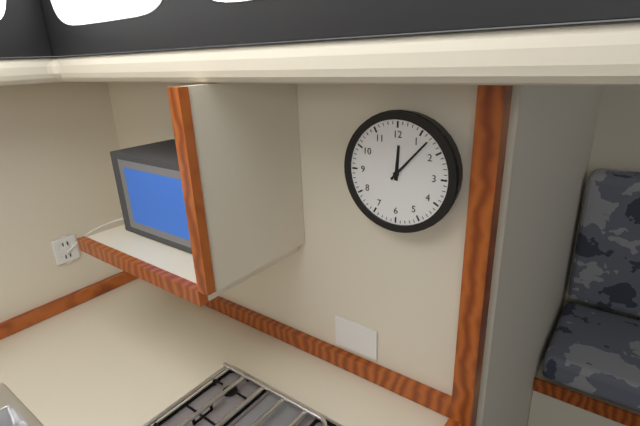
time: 12:07
